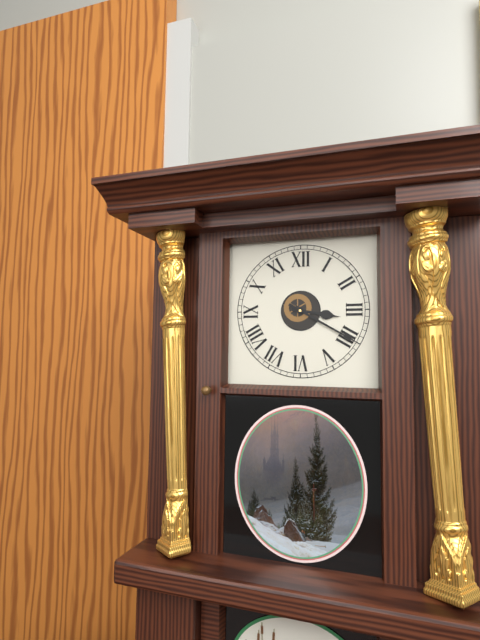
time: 3:20
